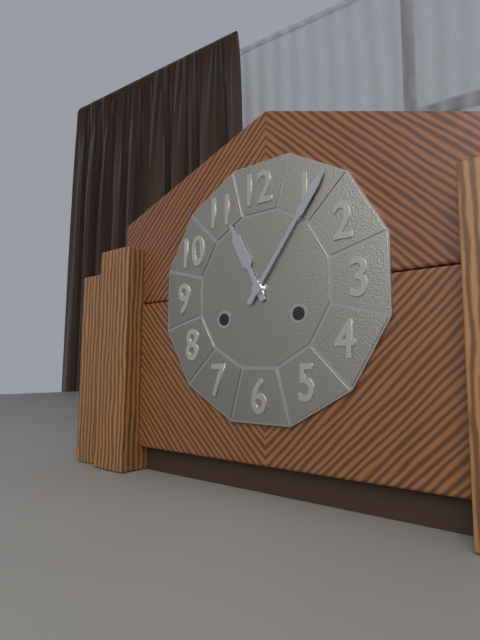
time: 11:06
